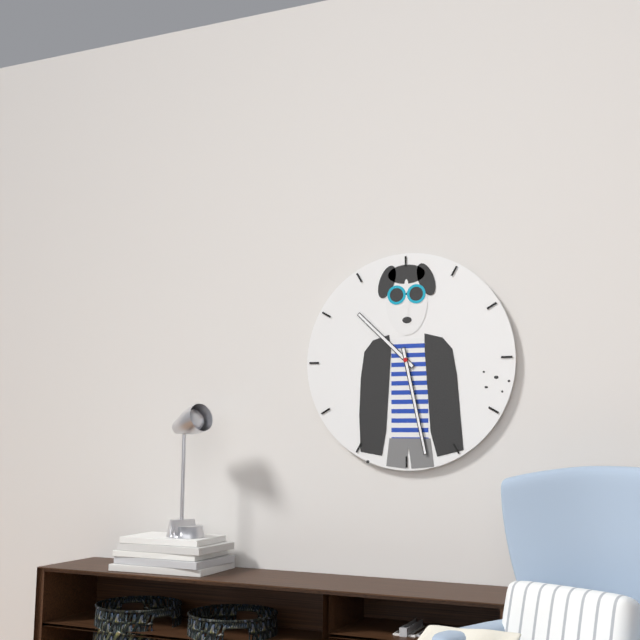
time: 10:28
